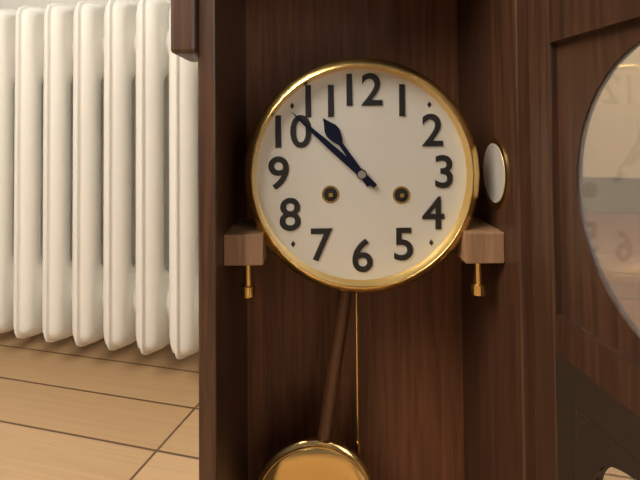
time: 10:52
